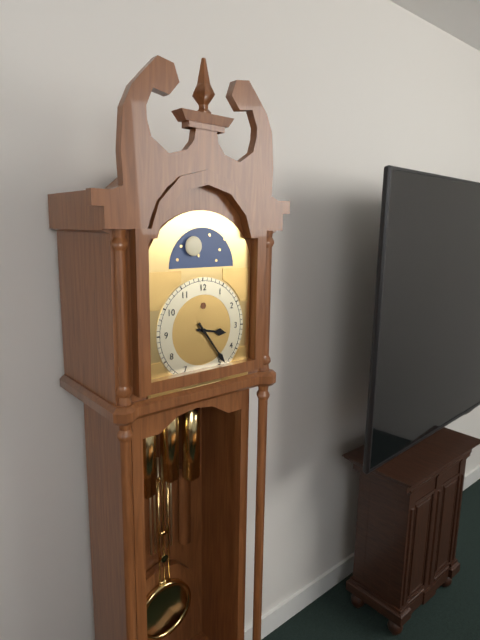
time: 3:24
